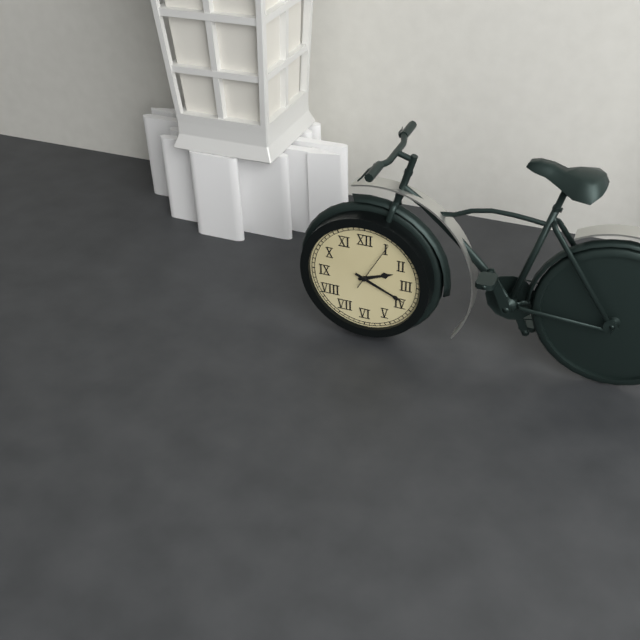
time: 2:19:05
